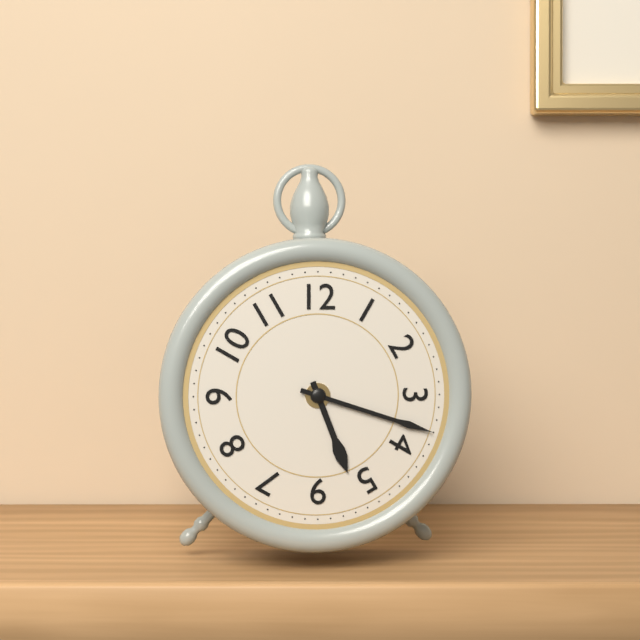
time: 5:18
